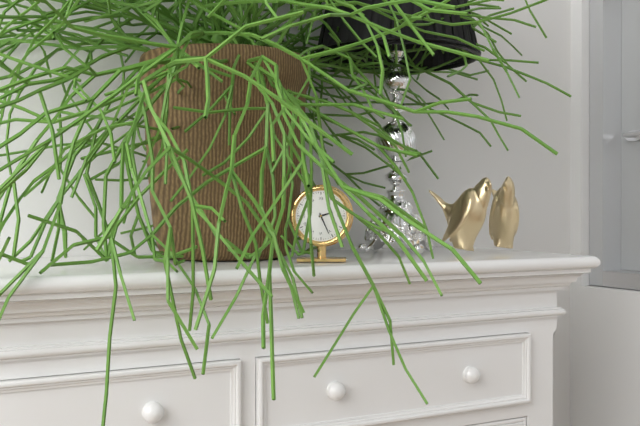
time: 2:26
